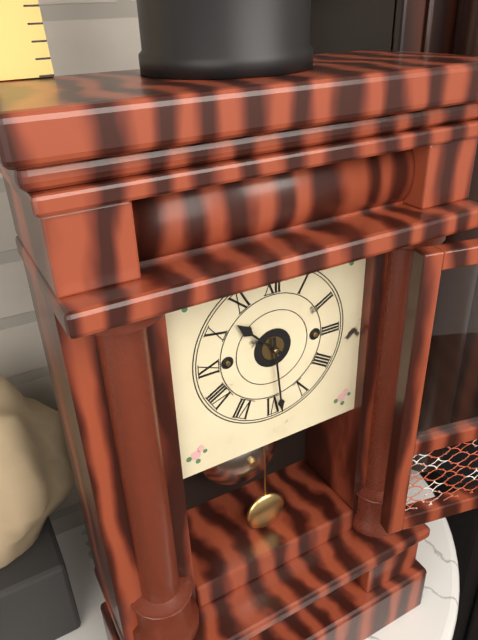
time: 10:29
